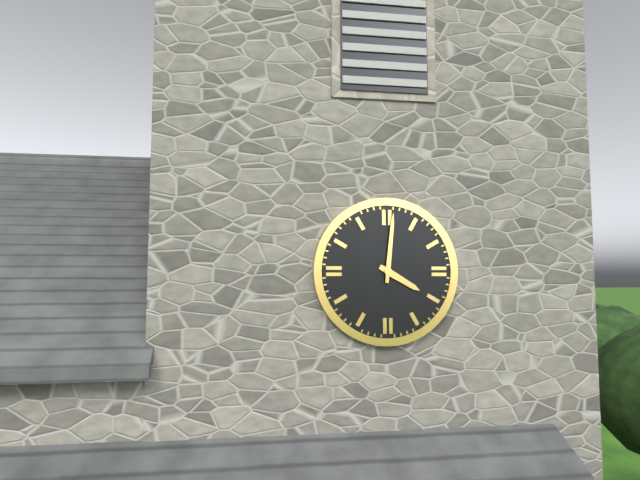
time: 4:01
